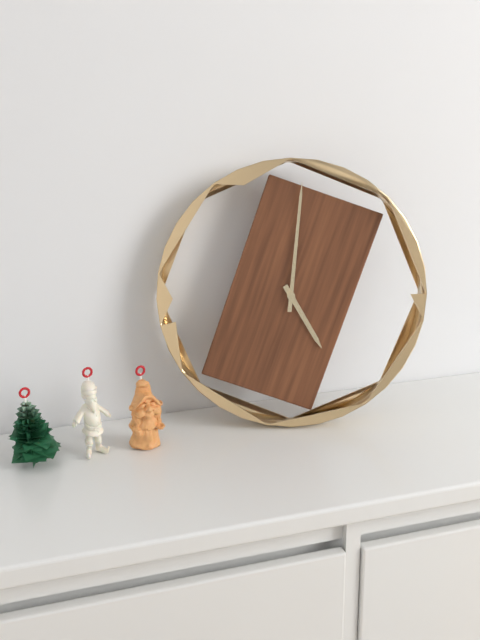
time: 5:01
